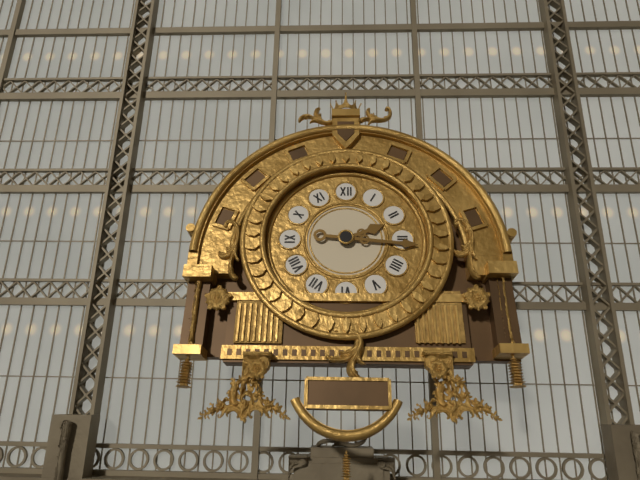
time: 2:16
